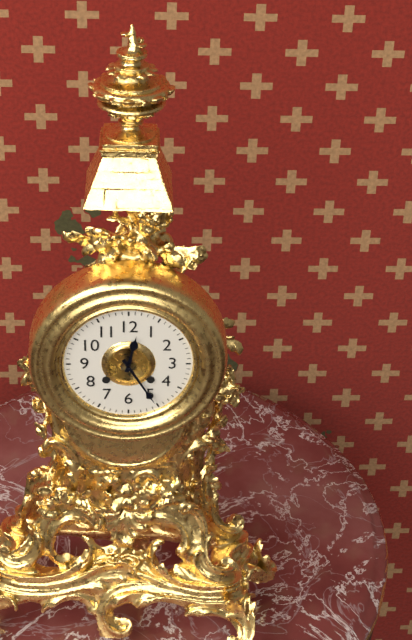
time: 12:25
